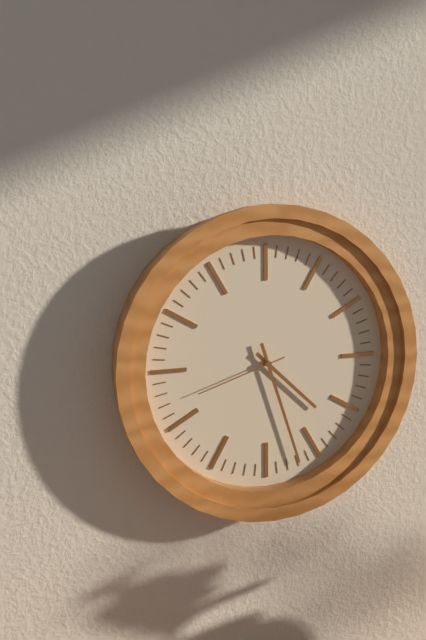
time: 4:27:42
